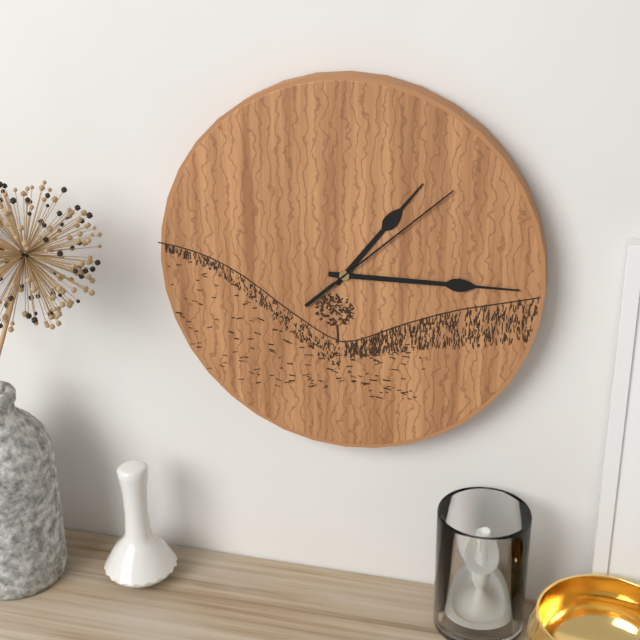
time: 1:15:08
